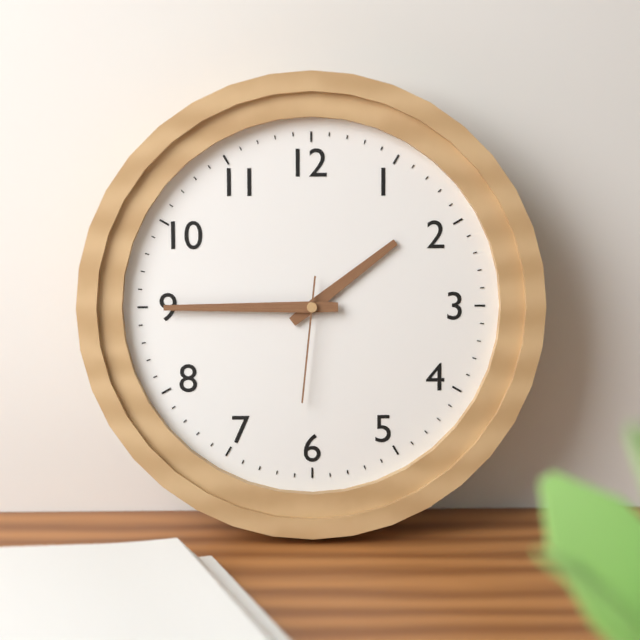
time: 1:45:31
